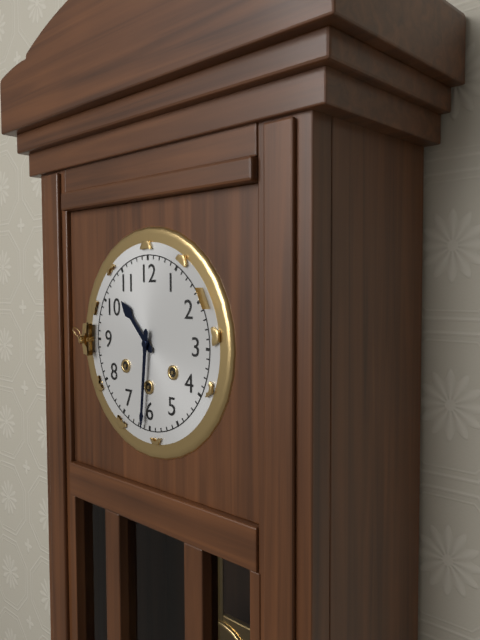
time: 10:31
